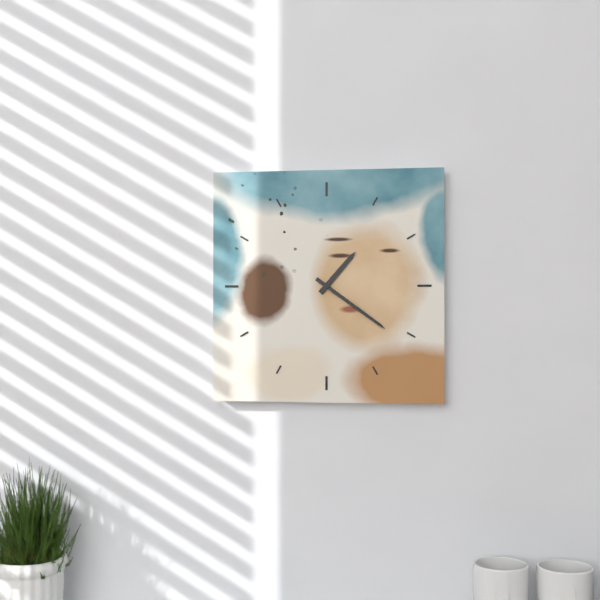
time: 1:21
